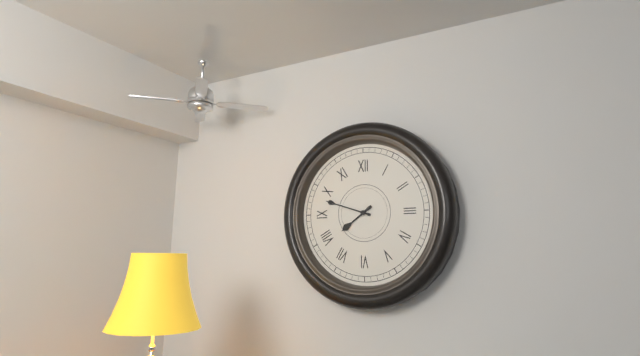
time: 7:48
